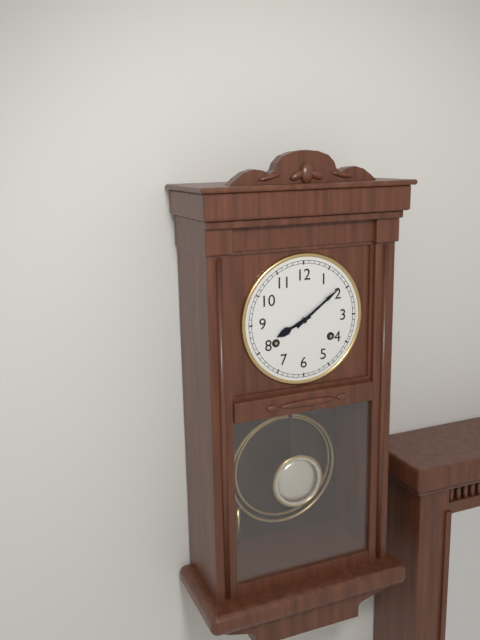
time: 8:09
